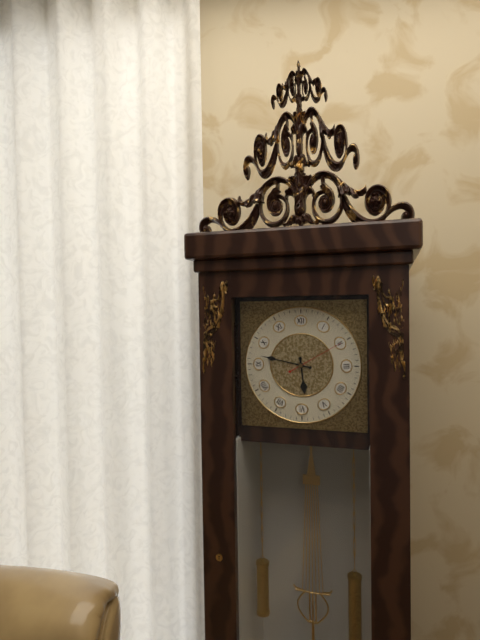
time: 5:47:10
